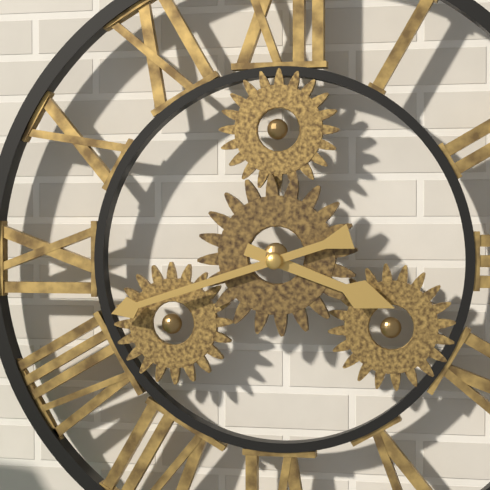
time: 3:42
